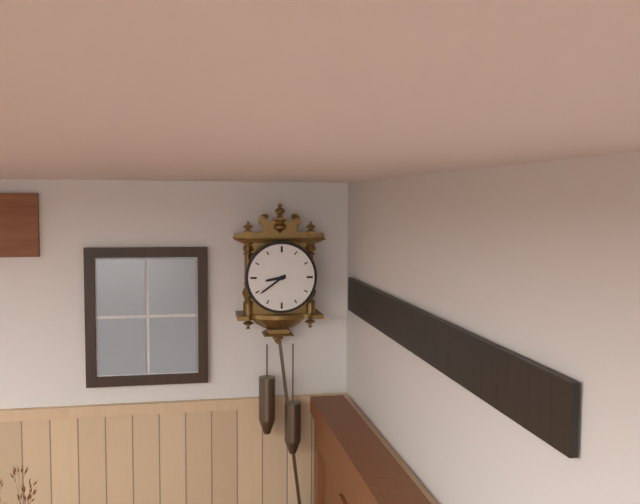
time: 8:39
